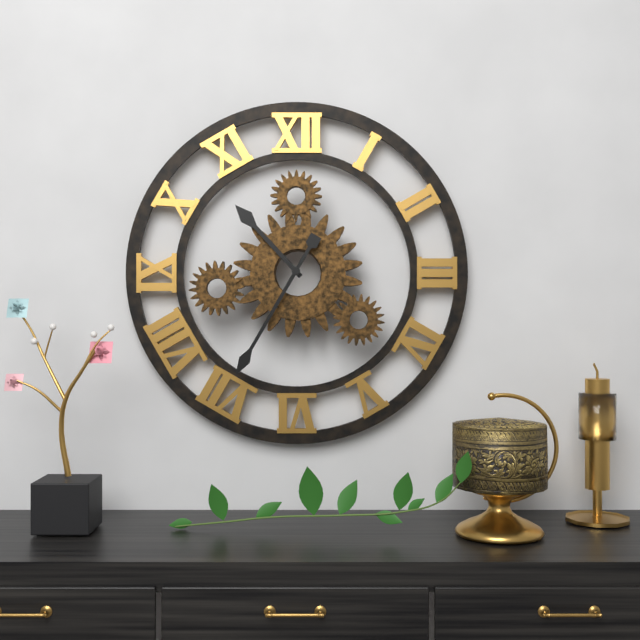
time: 10:35
